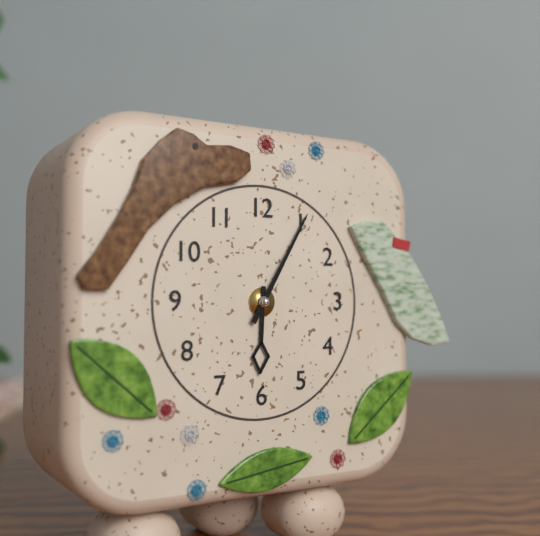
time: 6:05
